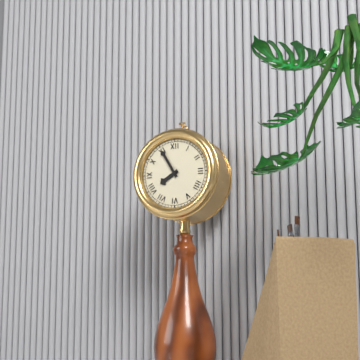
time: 7:55
